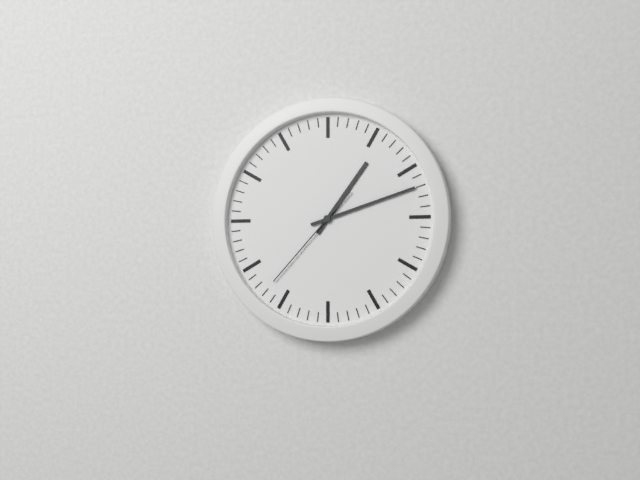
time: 1:12:37
